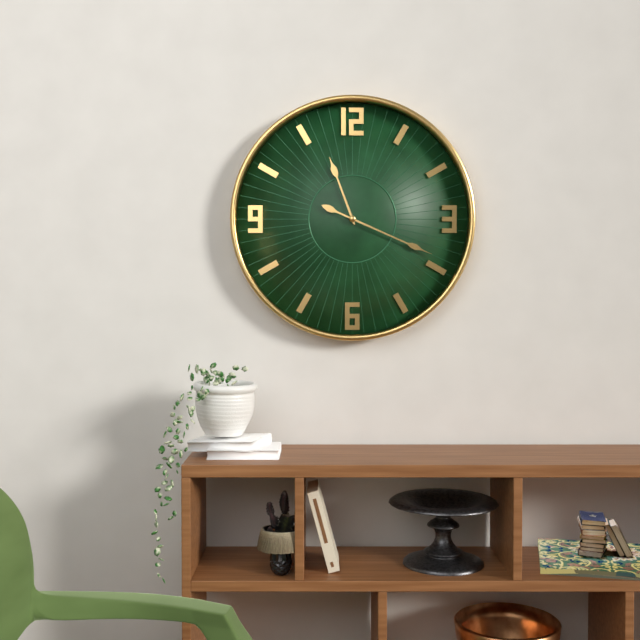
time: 11:19
